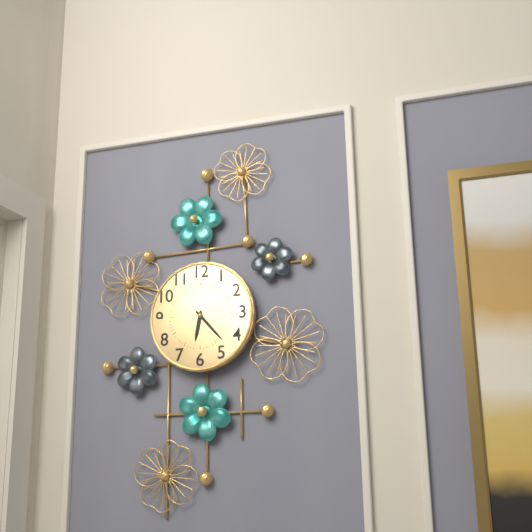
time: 6:23
